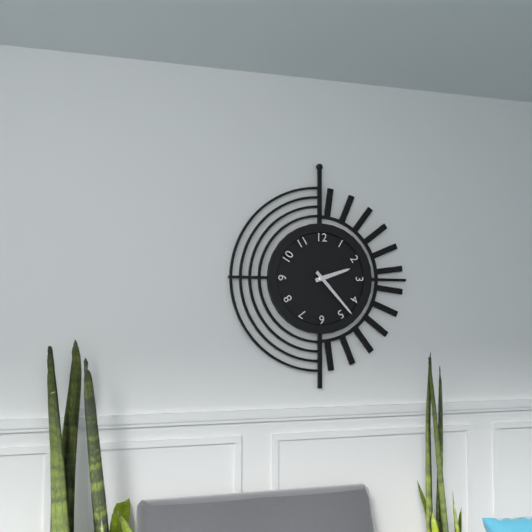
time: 2:23
